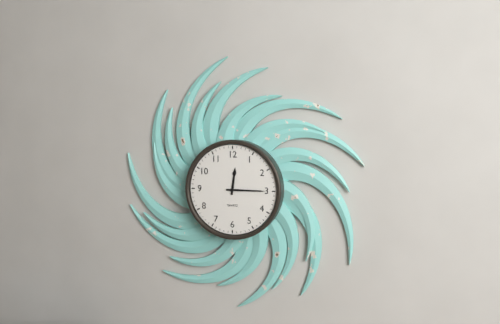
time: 12:15
